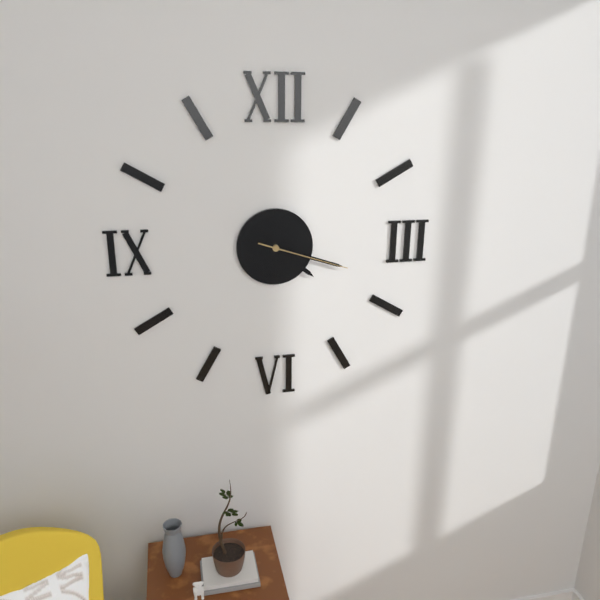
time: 4:18:18
